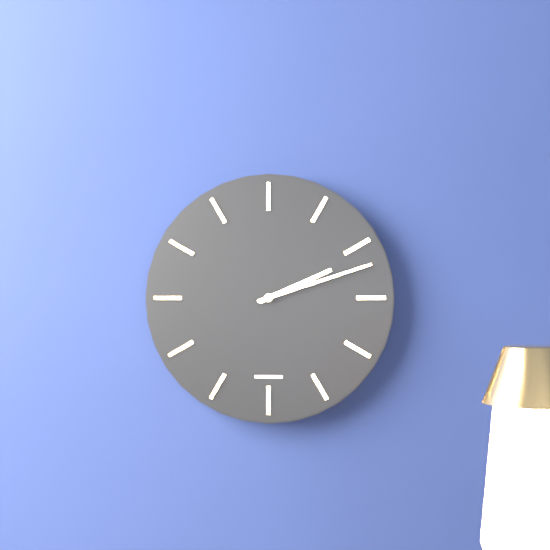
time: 2:12
